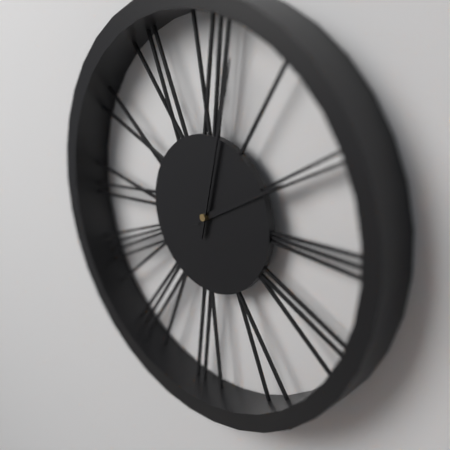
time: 2:02
